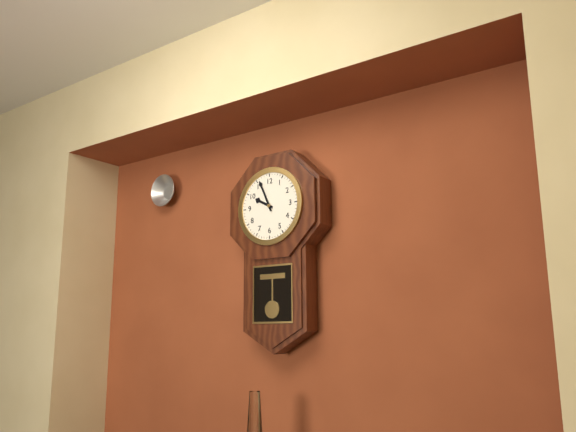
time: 9:56
